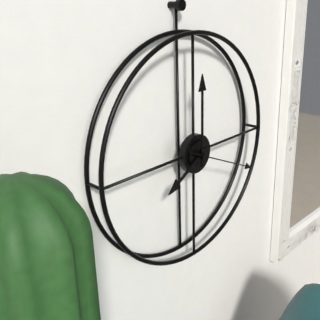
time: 8:00:19
